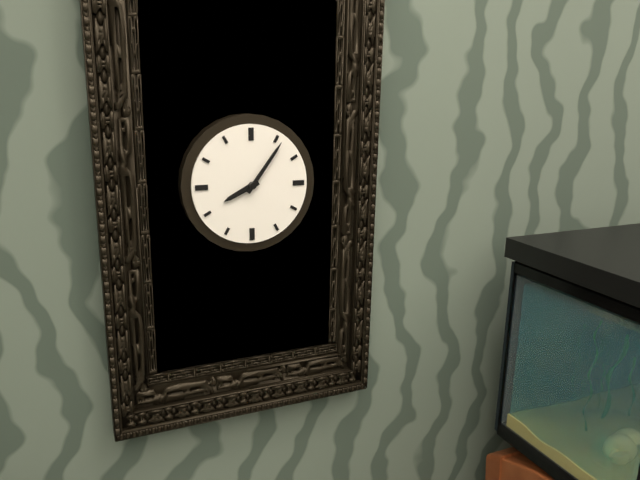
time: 8:06
